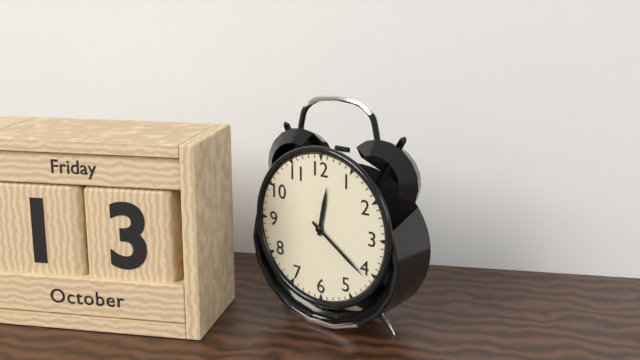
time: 12:21
